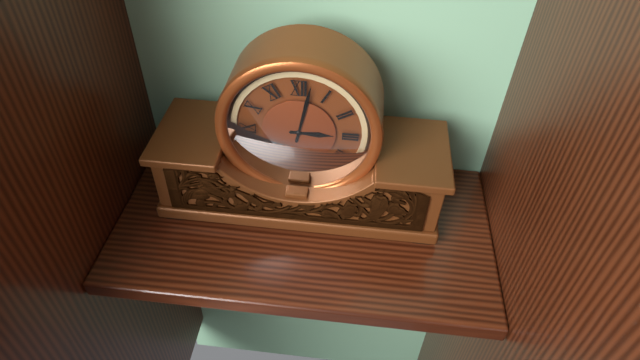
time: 3:02
